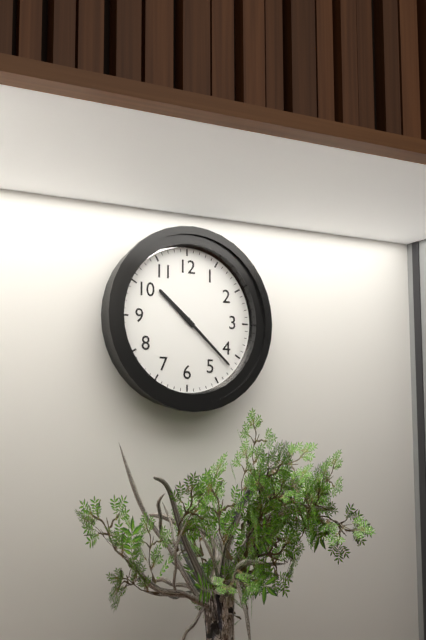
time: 10:22
